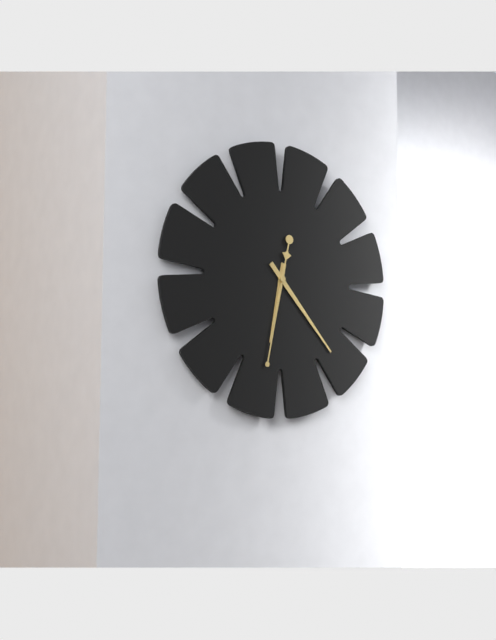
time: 6:23:32
